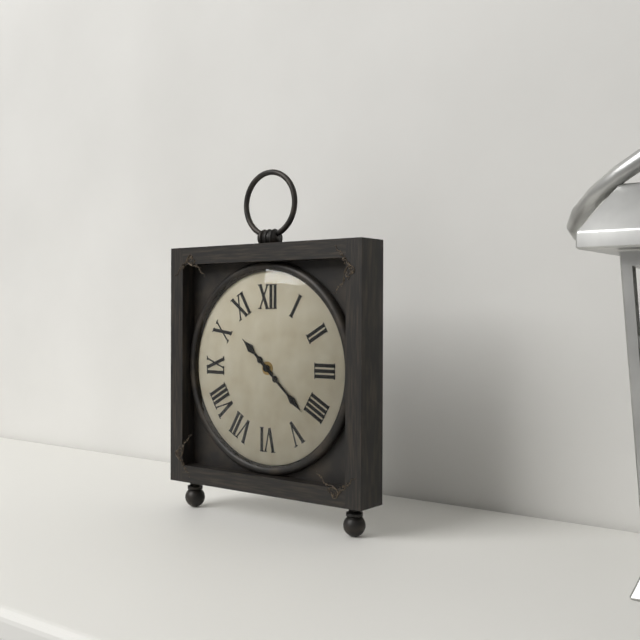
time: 10:22
